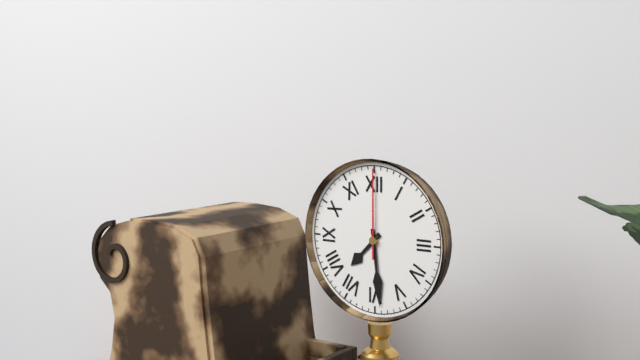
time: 7:29:00
